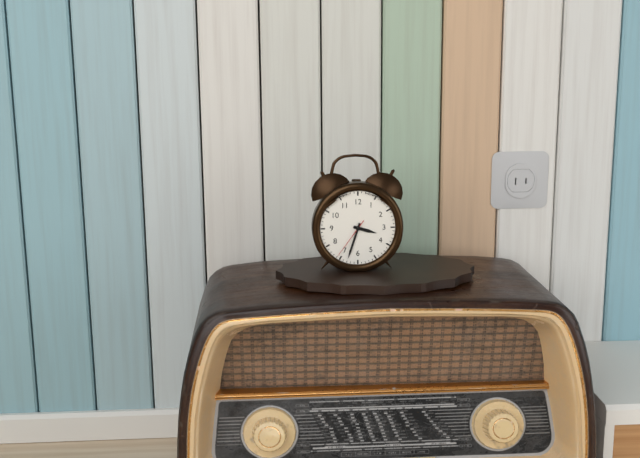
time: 3:33
